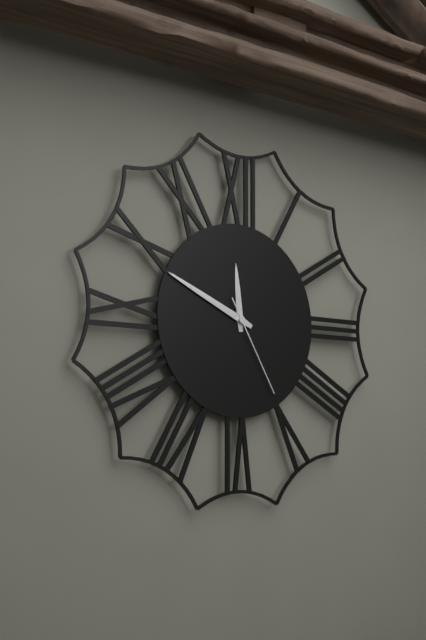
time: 11:49:25
